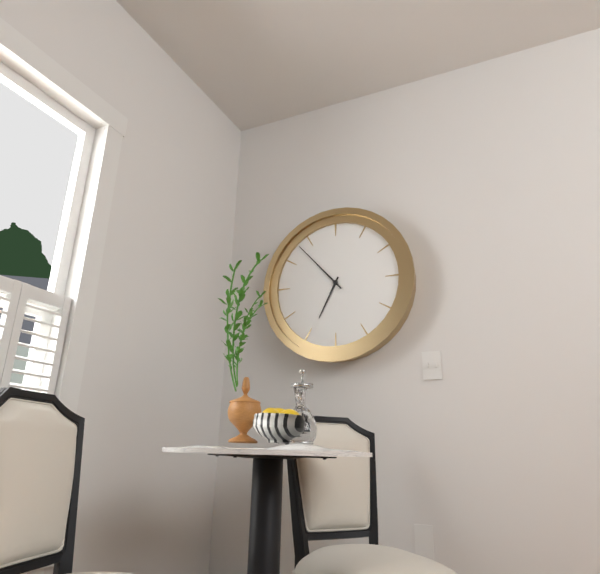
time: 6:53
